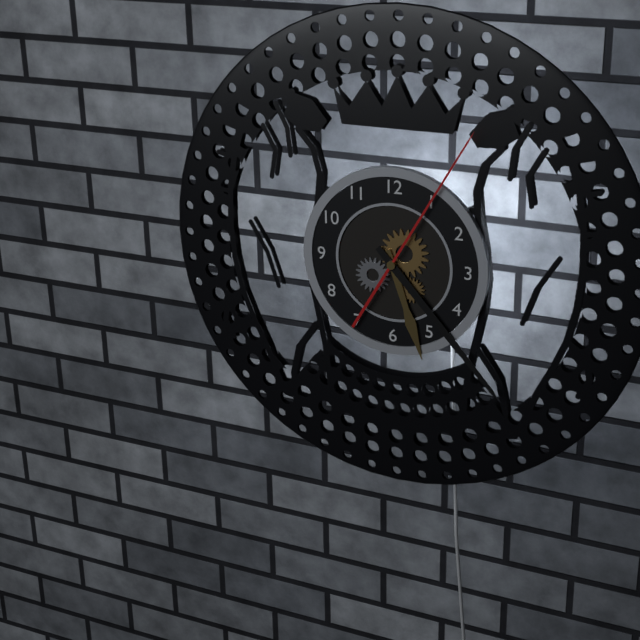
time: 5:23:05
